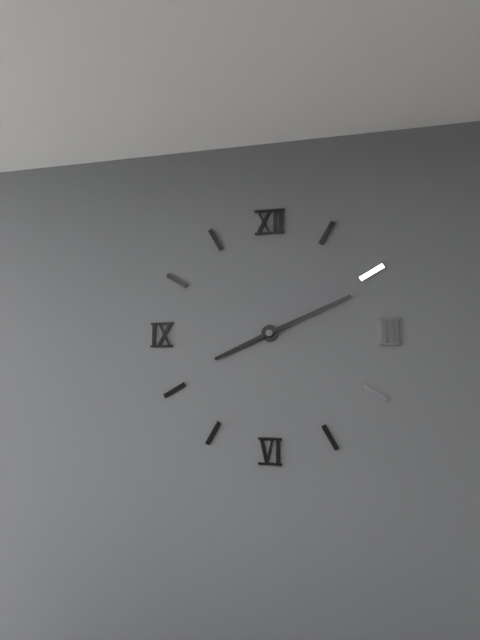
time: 8:11
